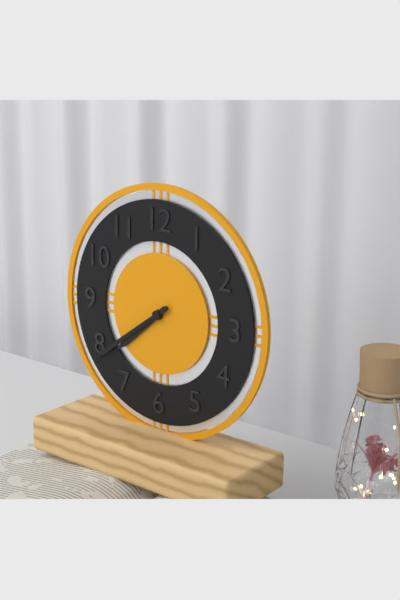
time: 7:39
